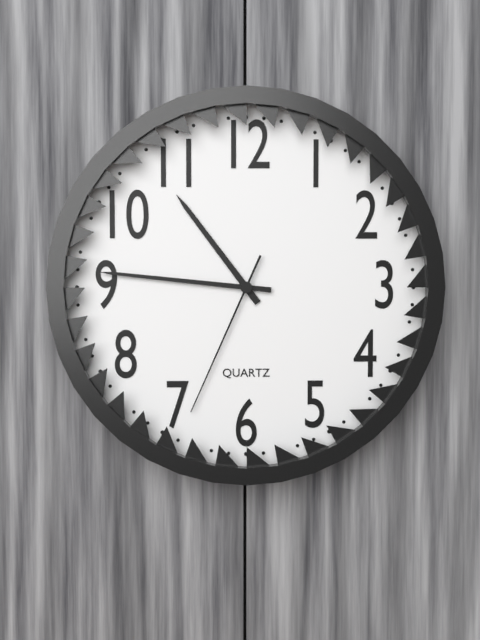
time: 10:46:34
